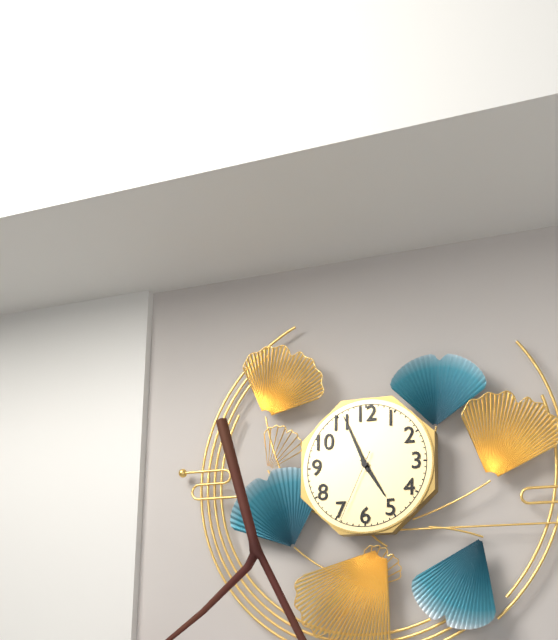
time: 4:56:34
